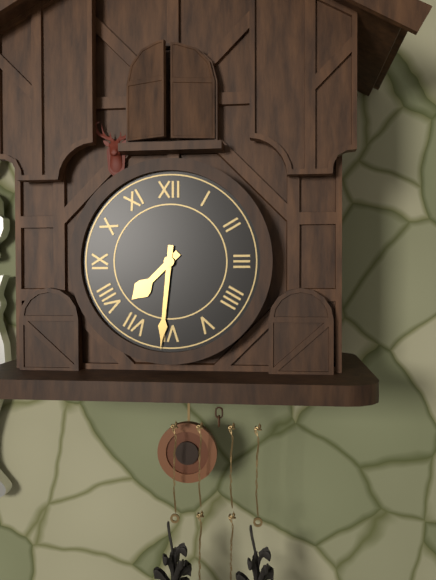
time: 7:31
